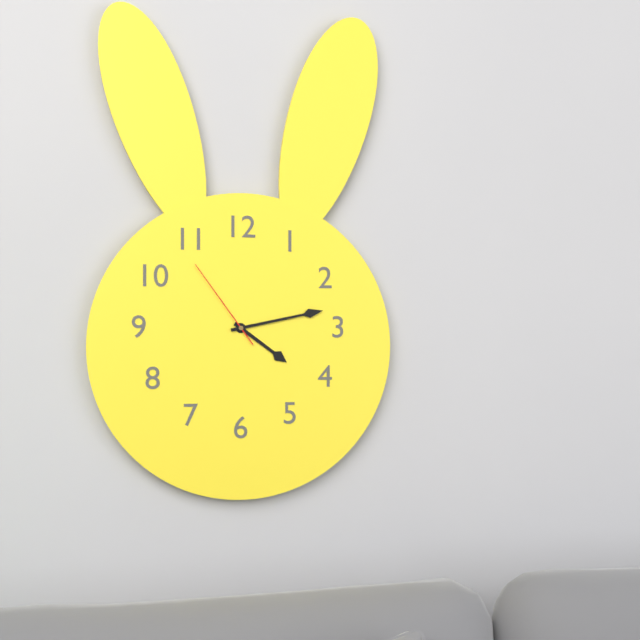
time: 4:13:54
